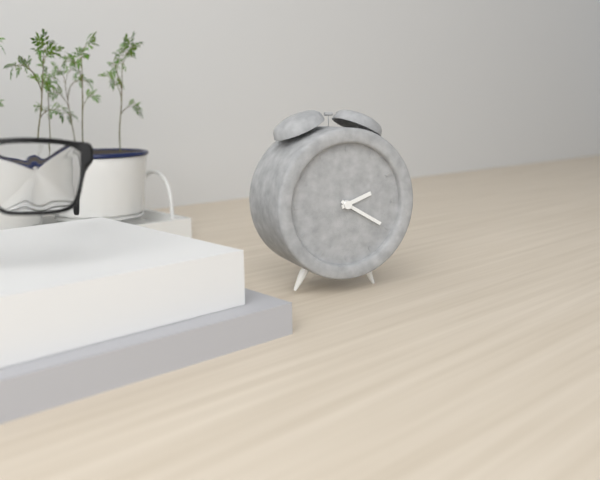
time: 2:20
